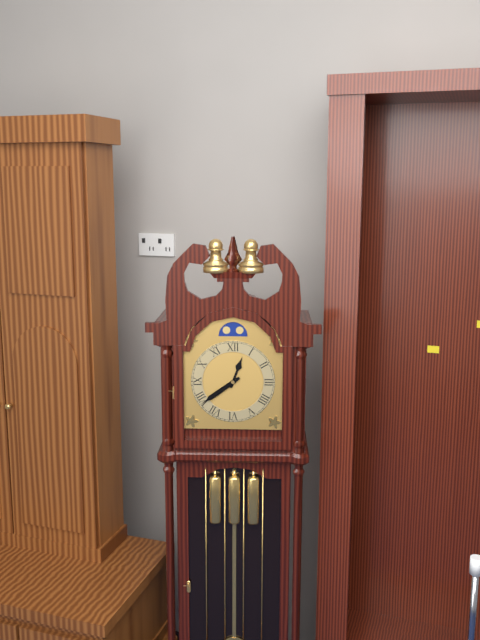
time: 12:39
